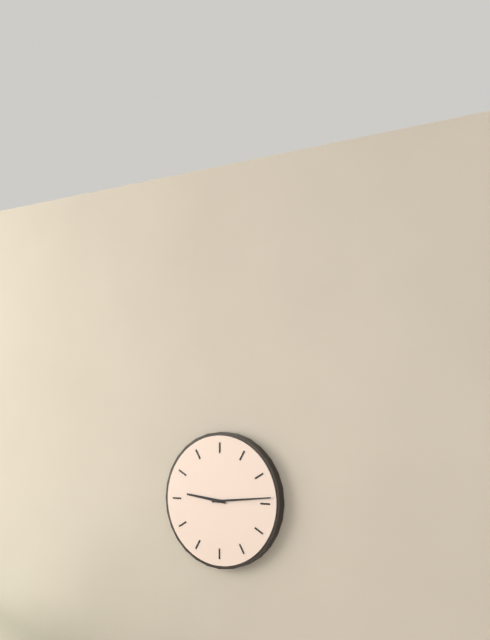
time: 9:14
